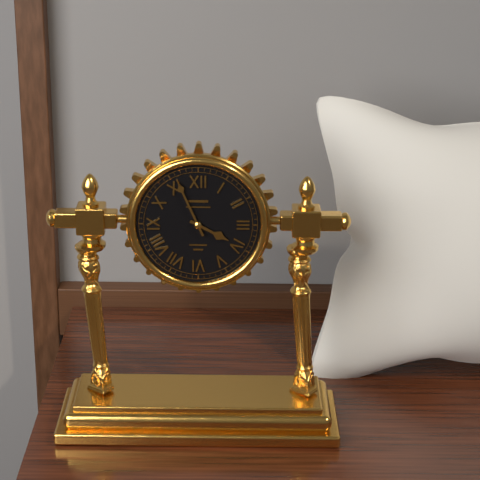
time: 3:56
